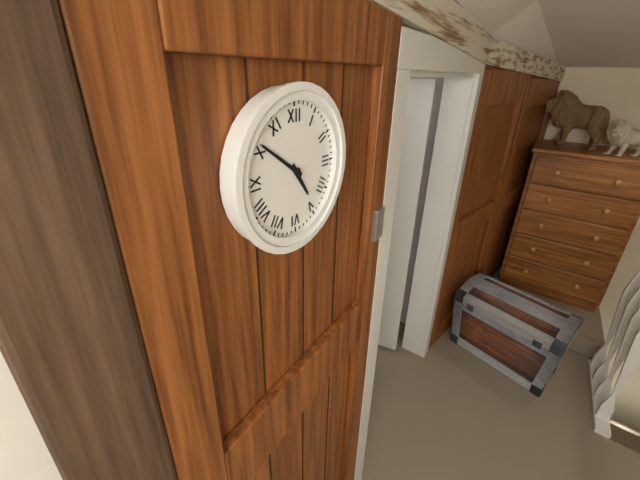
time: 4:51
